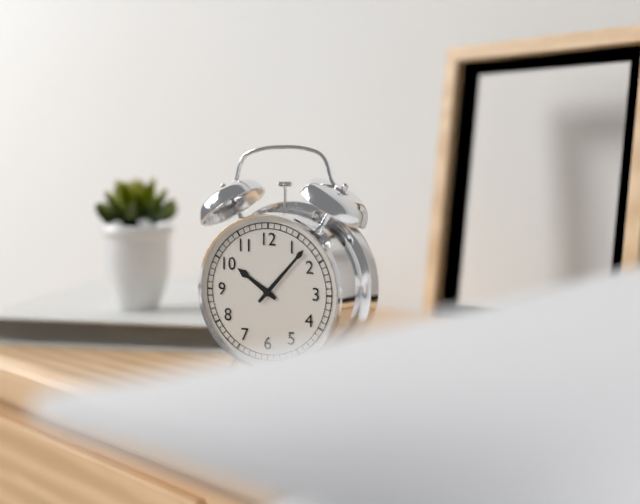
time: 10:07
